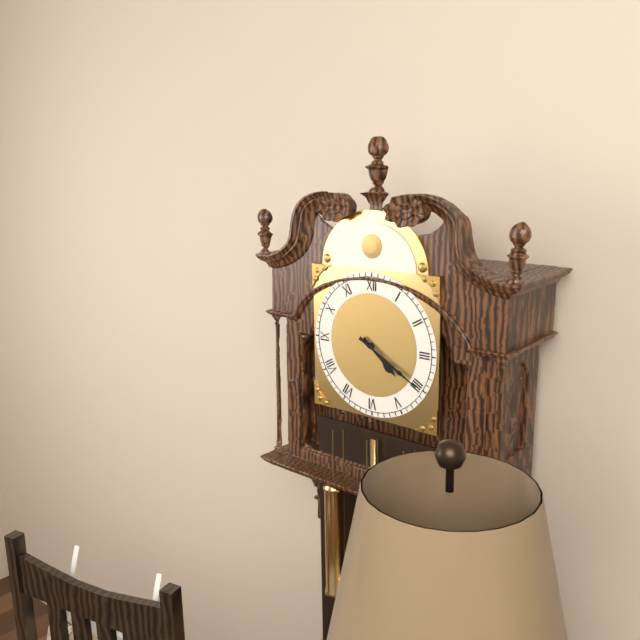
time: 4:20
